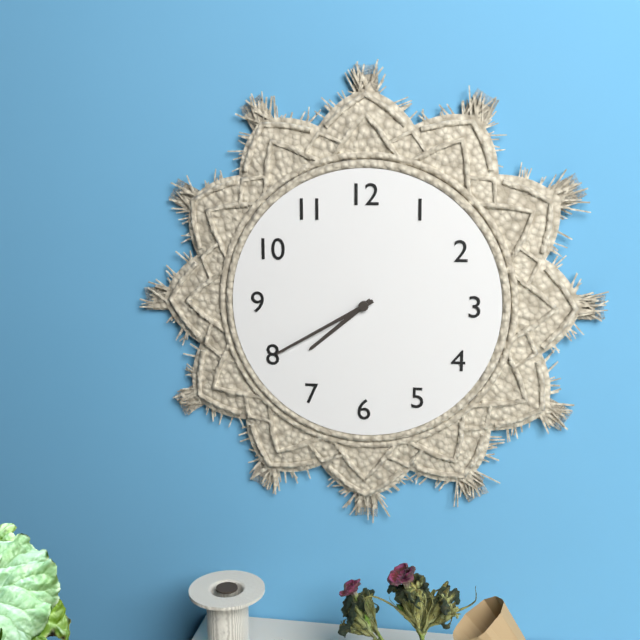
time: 7:40
